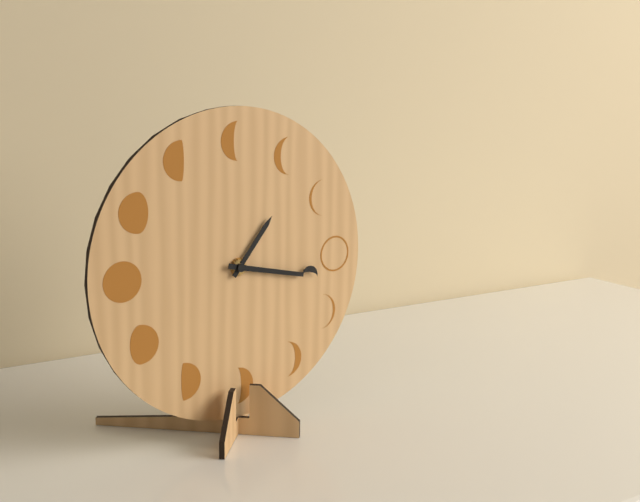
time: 1:17
